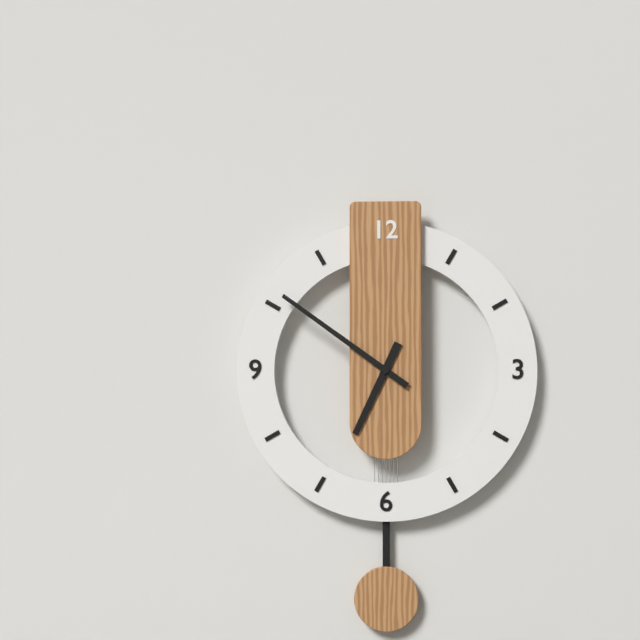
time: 6:51
